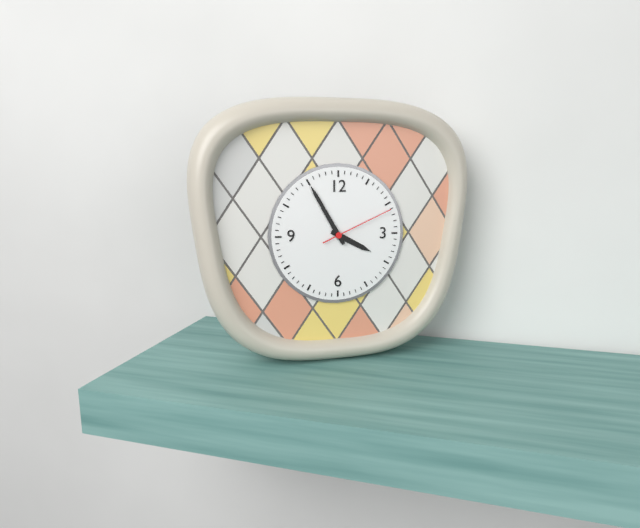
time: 3:55:11
